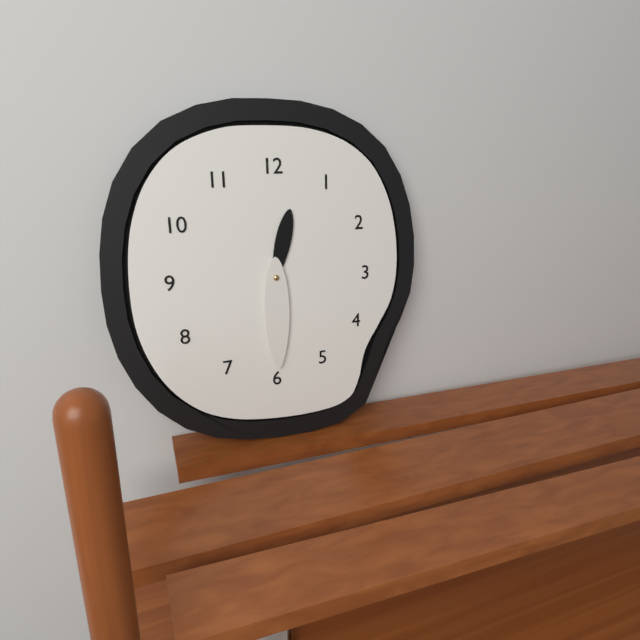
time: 12:30
